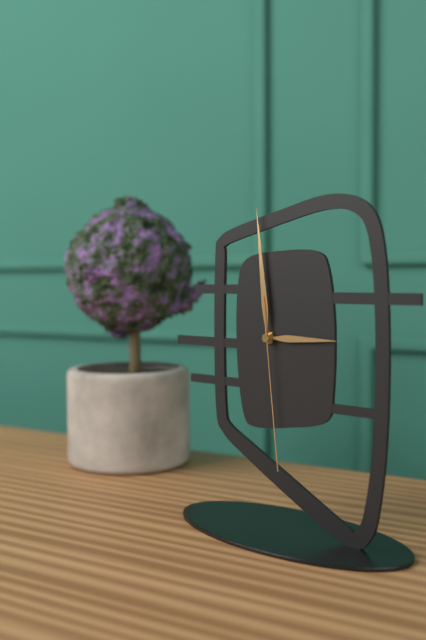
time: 2:59:29
